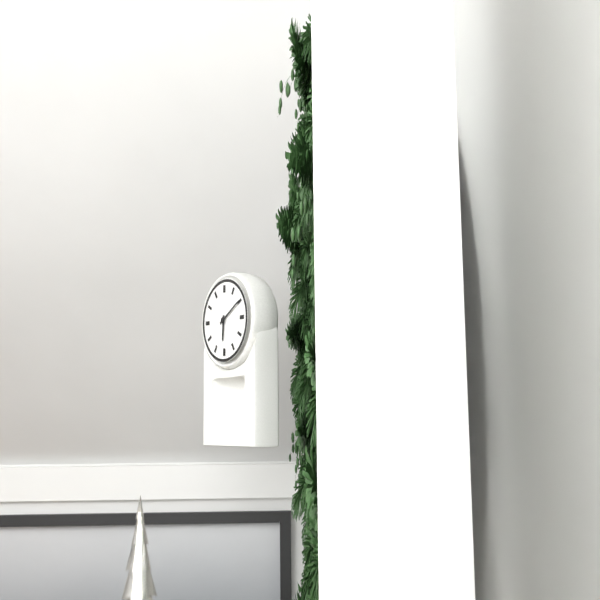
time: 6:10
